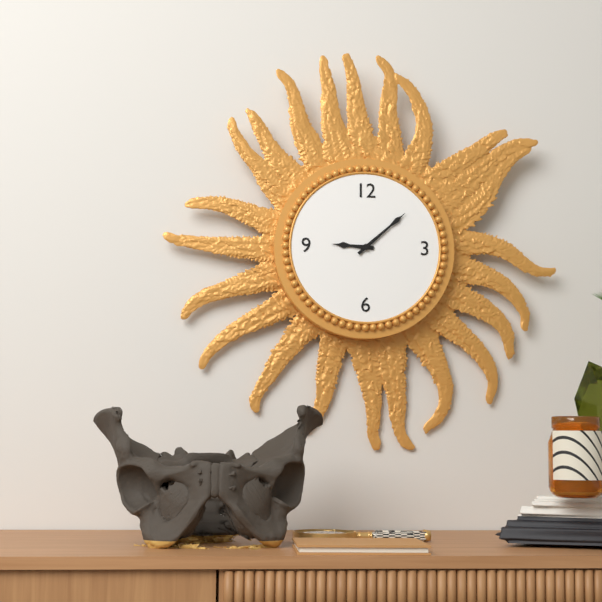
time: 9:08
